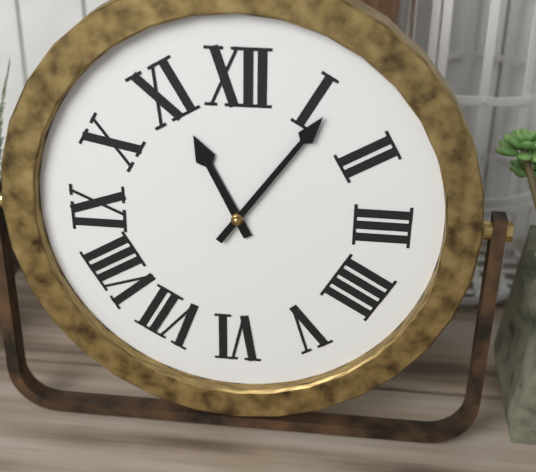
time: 11:06
